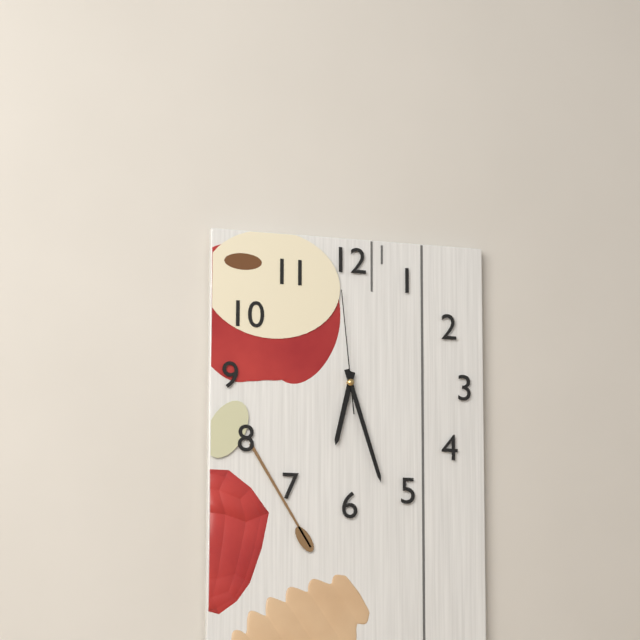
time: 6:27:59
